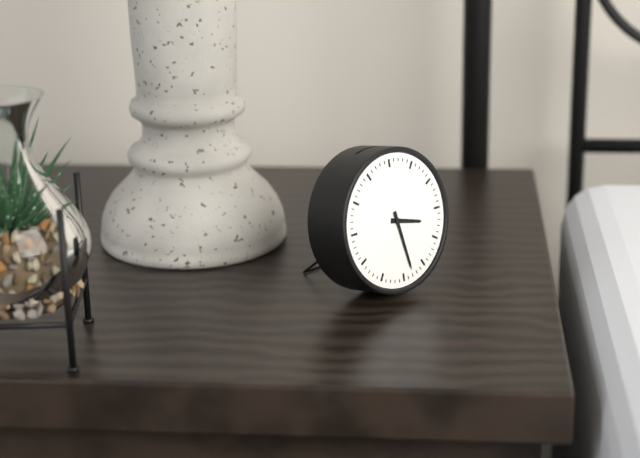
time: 3:28
